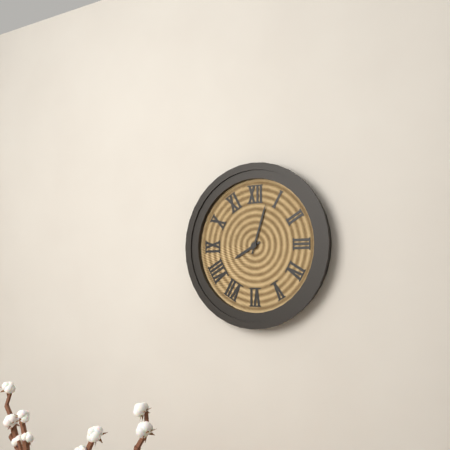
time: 8:03
